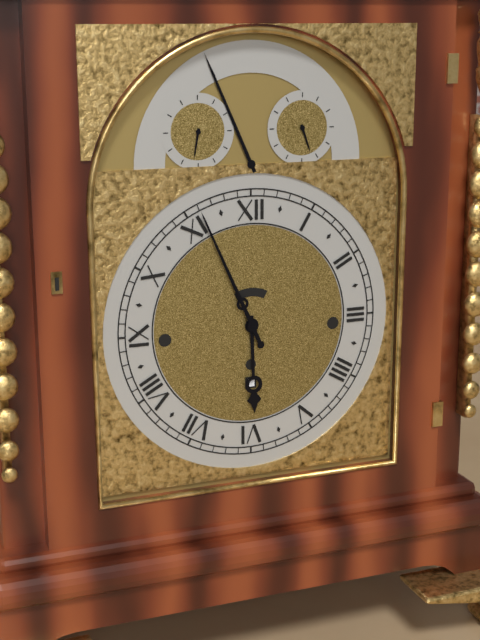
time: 5:56
